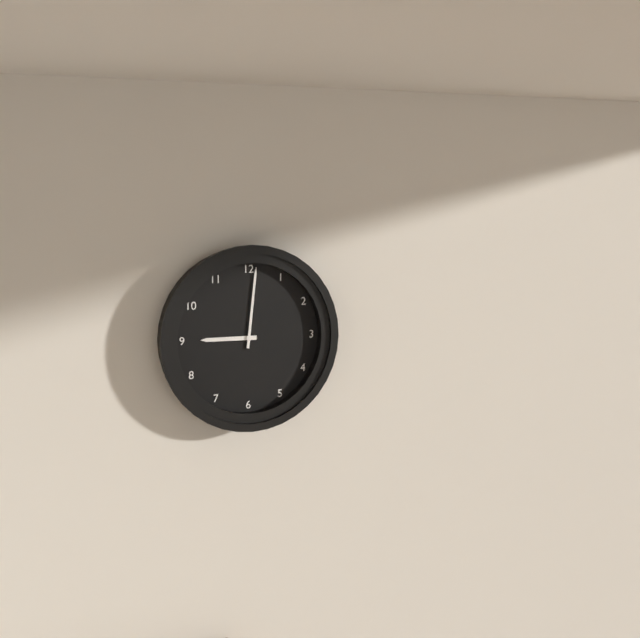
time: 9:01
